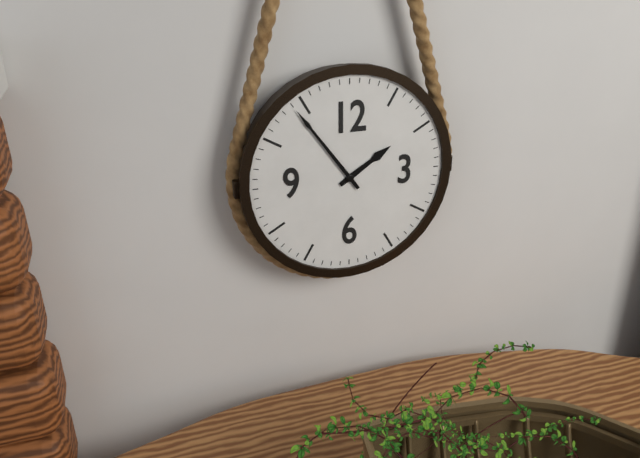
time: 1:54
